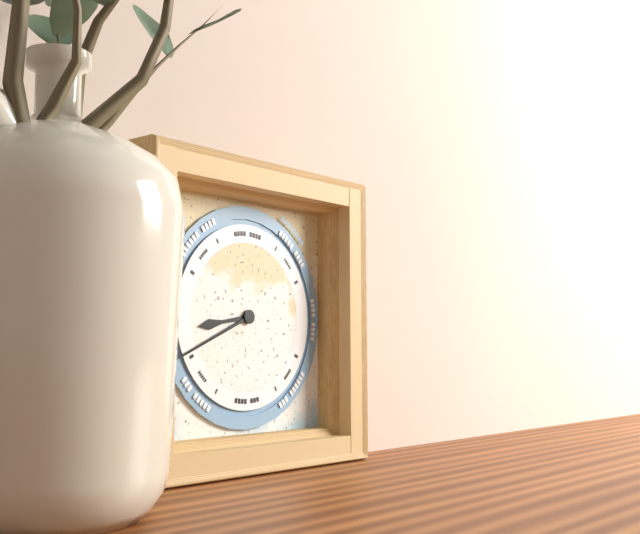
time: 8:41
